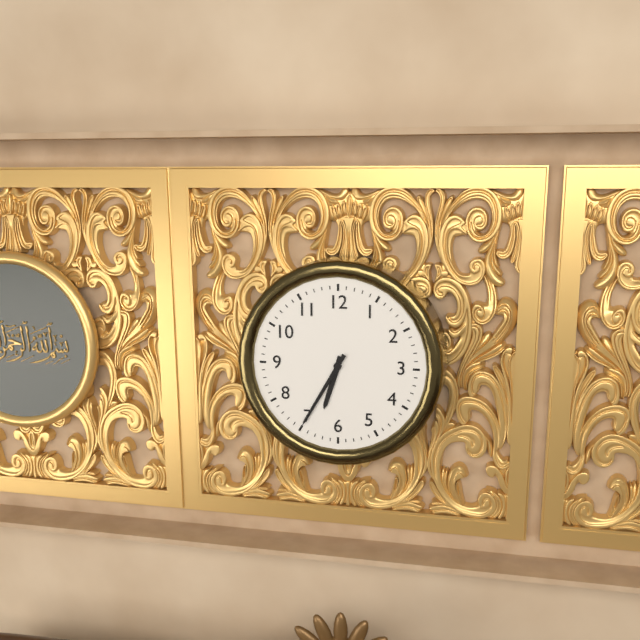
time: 6:35
